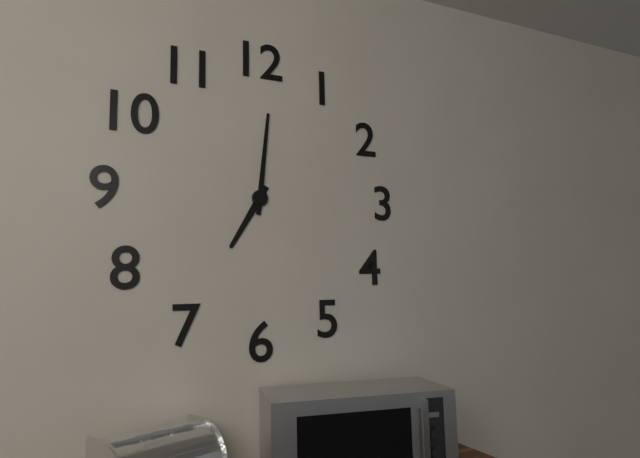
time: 7:01
